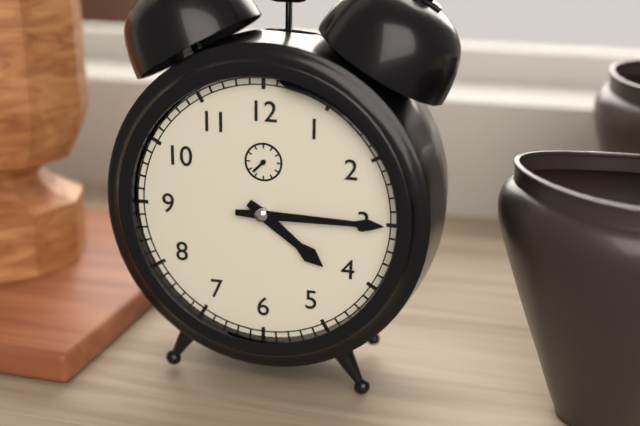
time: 4:15
